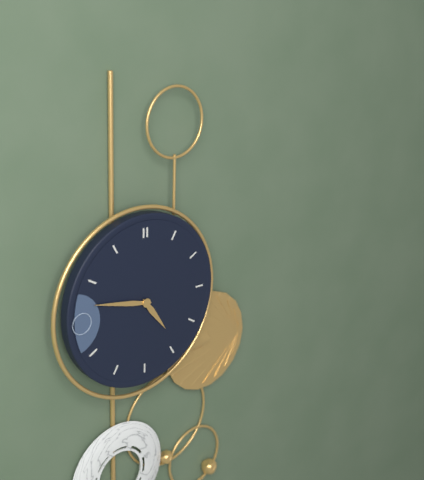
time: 4:47
